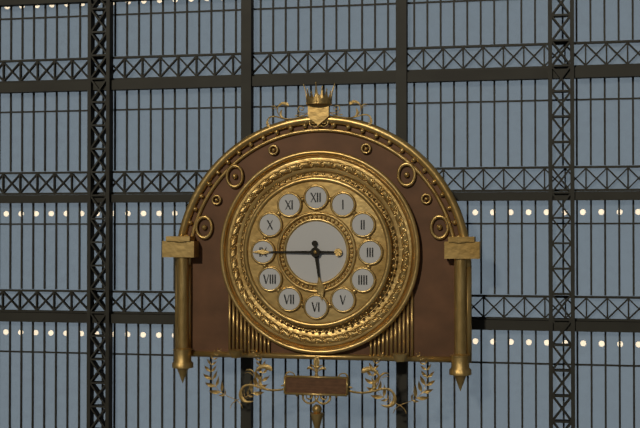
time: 5:45
